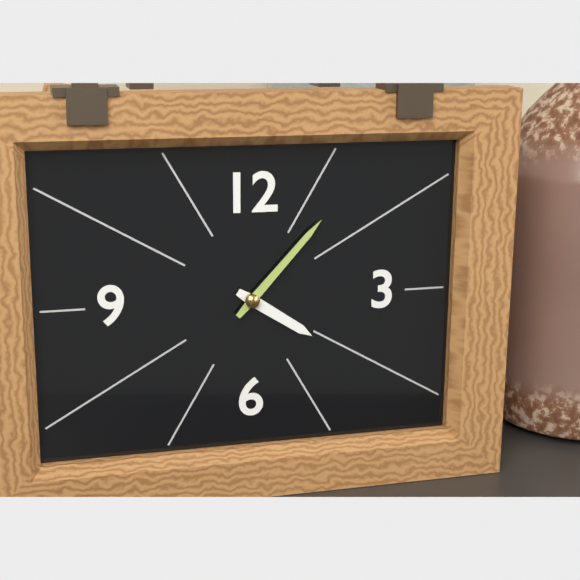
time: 4:07
